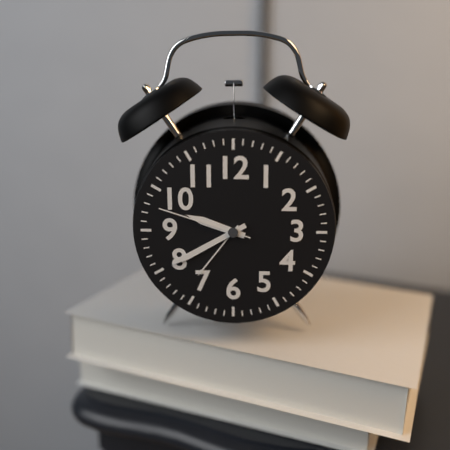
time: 9:40:48
